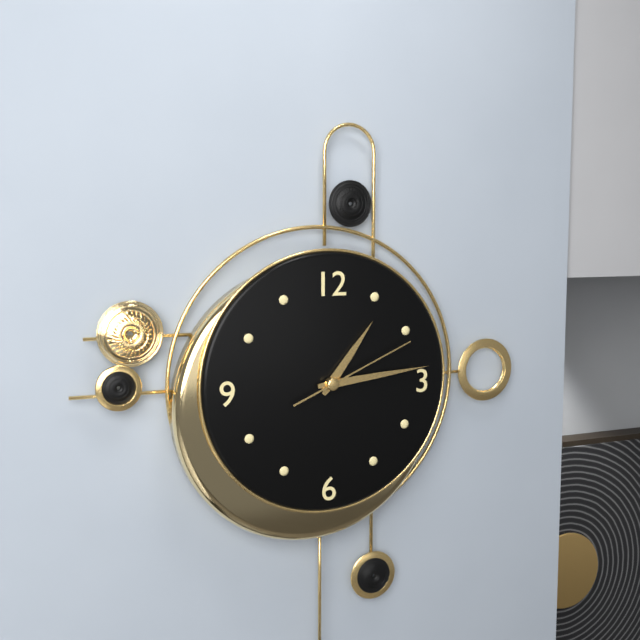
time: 1:14:11
